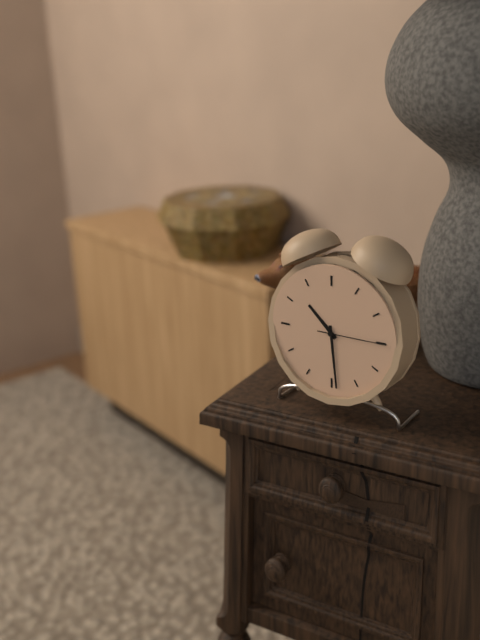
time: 10:29:15
